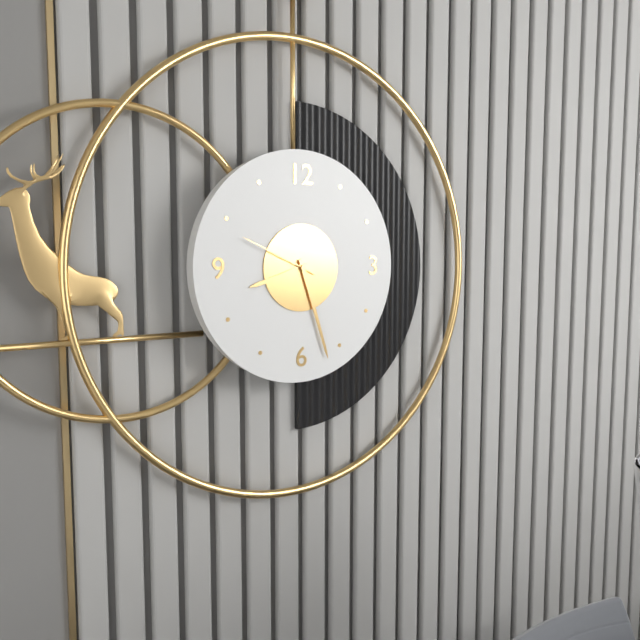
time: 8:27:49
